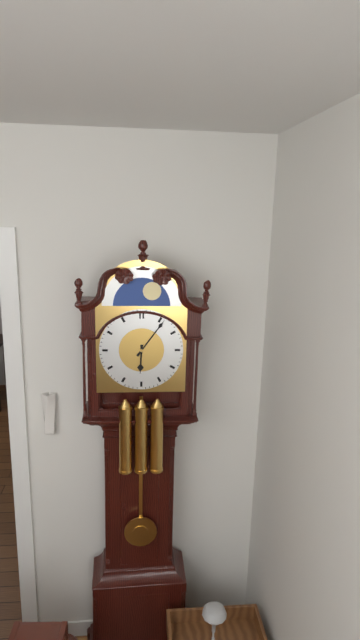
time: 6:06
